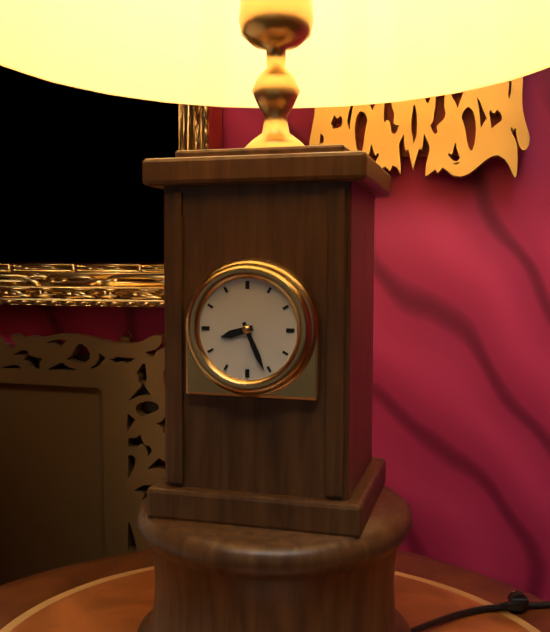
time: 8:26
